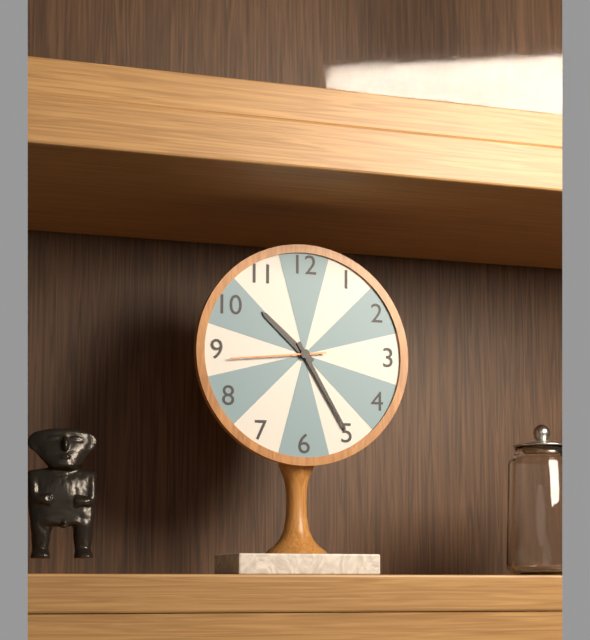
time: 10:25:44
